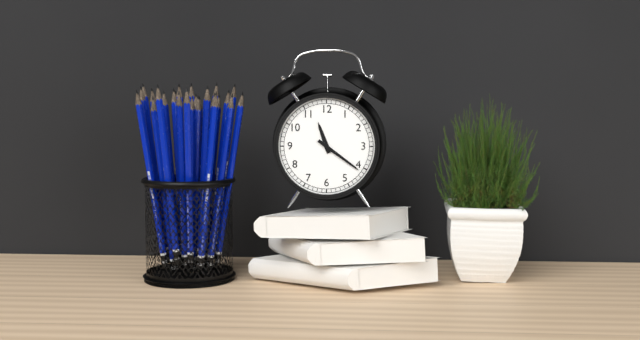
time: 11:21
